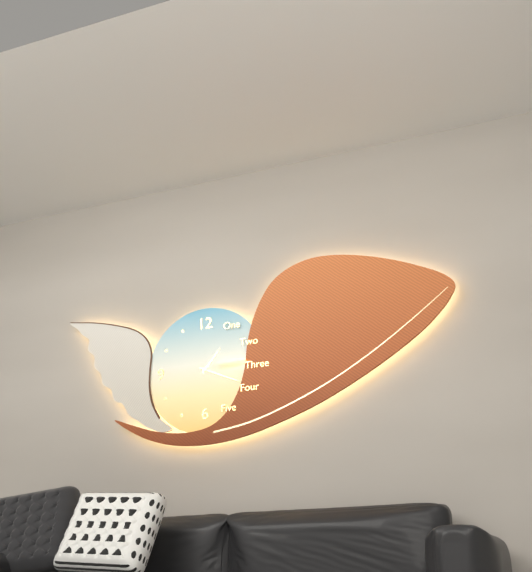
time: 1:19
